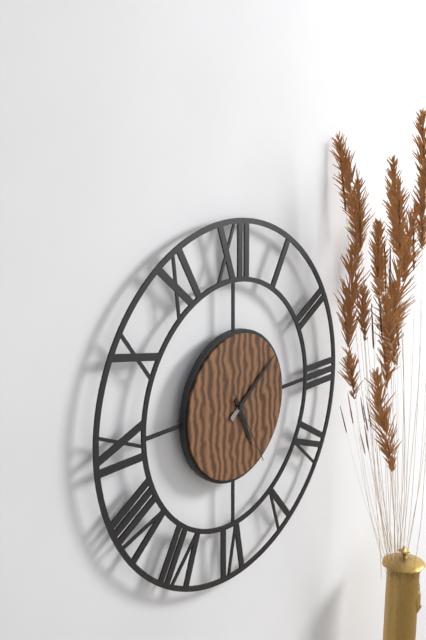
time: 5:09:25
